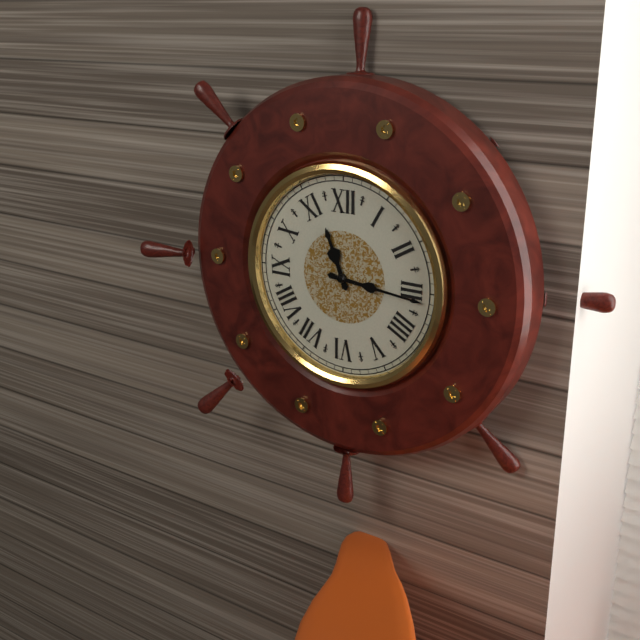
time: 11:16
